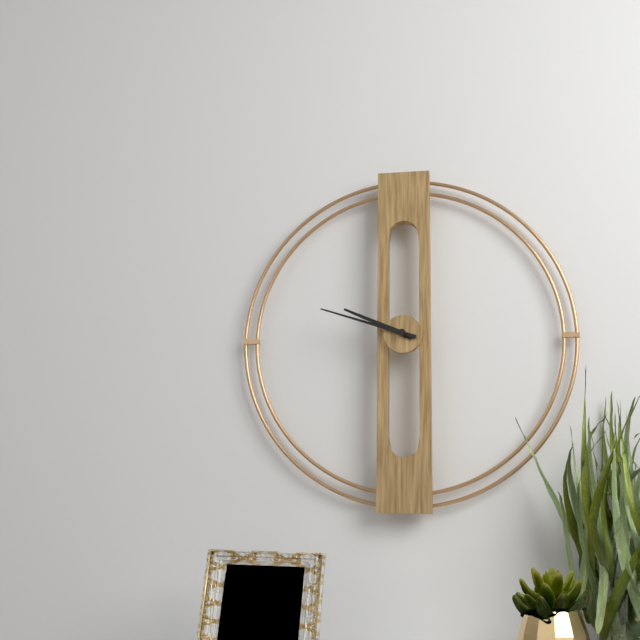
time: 9:48
